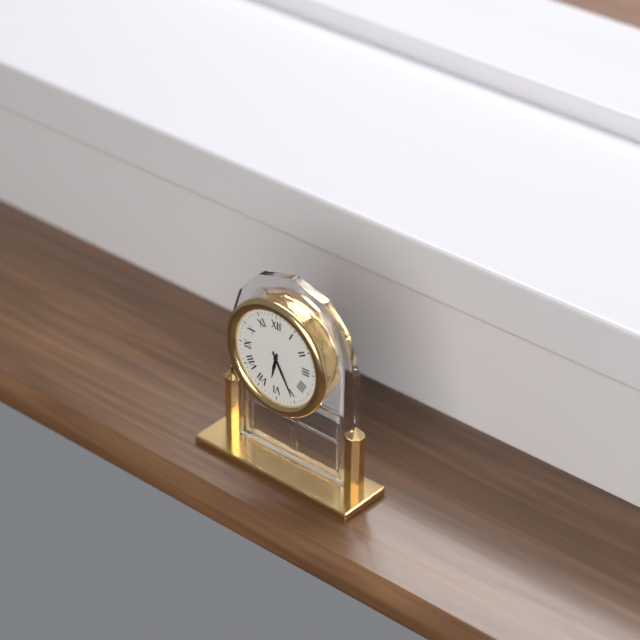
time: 6:25
